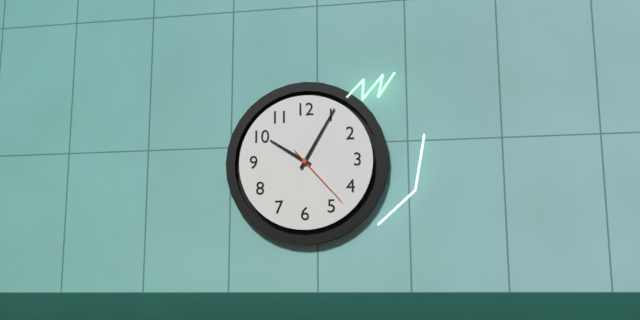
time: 10:05:23
